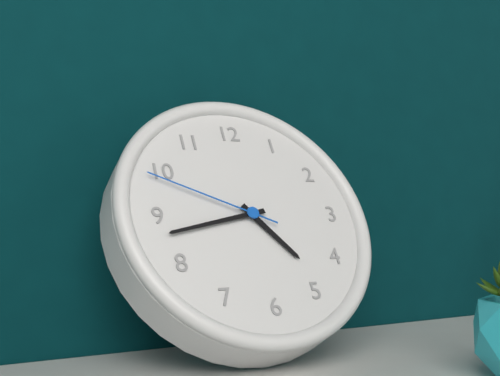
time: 4:43:49
